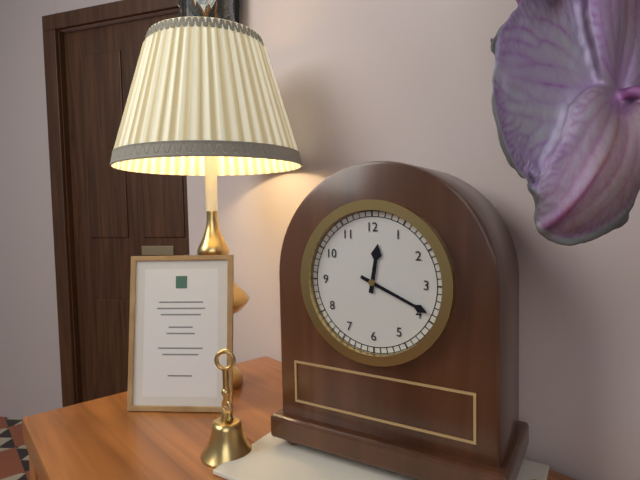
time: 12:19
